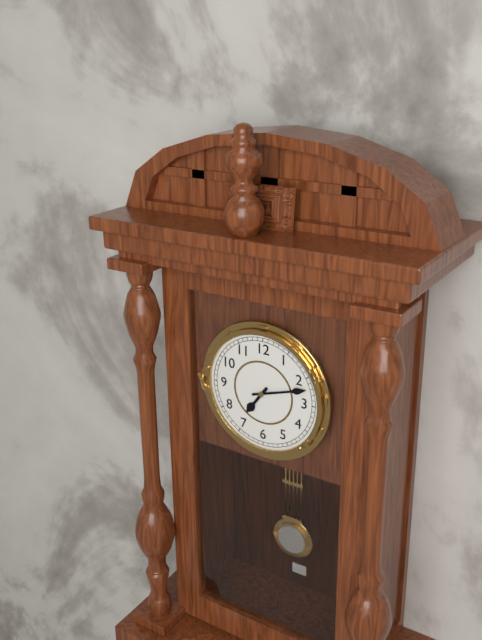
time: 7:12
